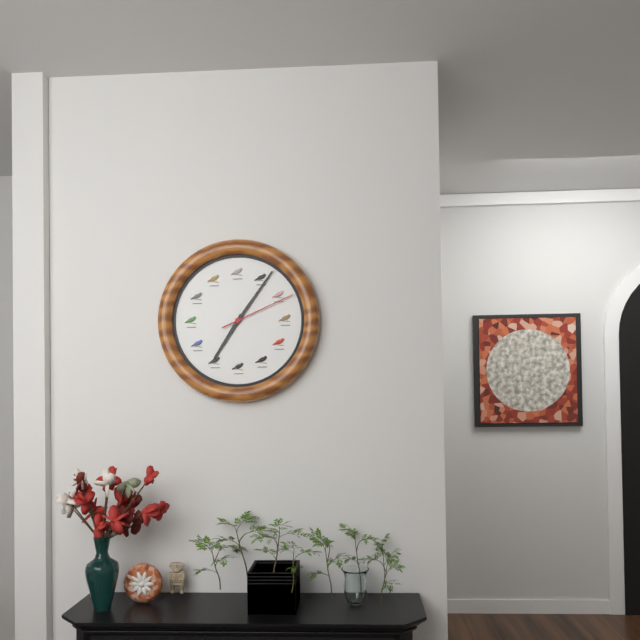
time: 7:06:11
